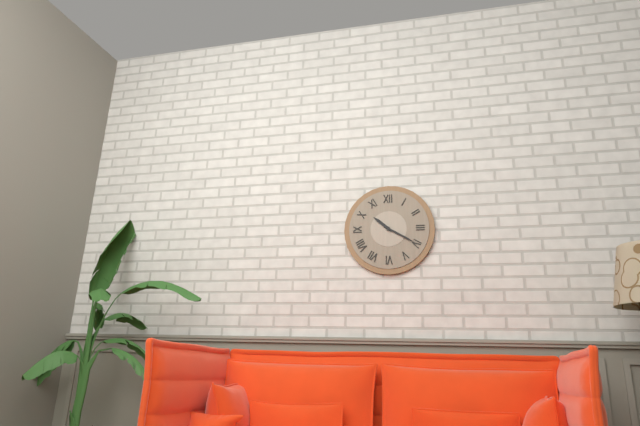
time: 10:20
